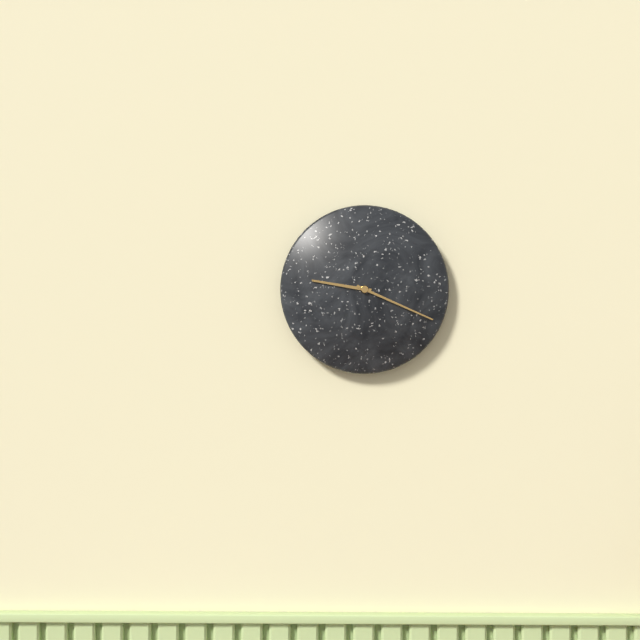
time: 9:19
